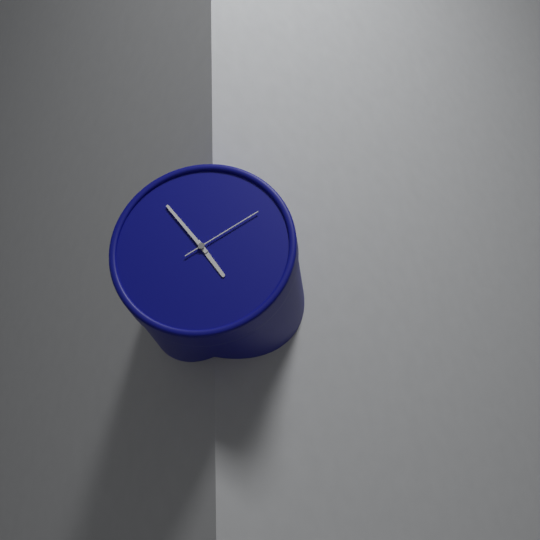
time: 4:54:10
